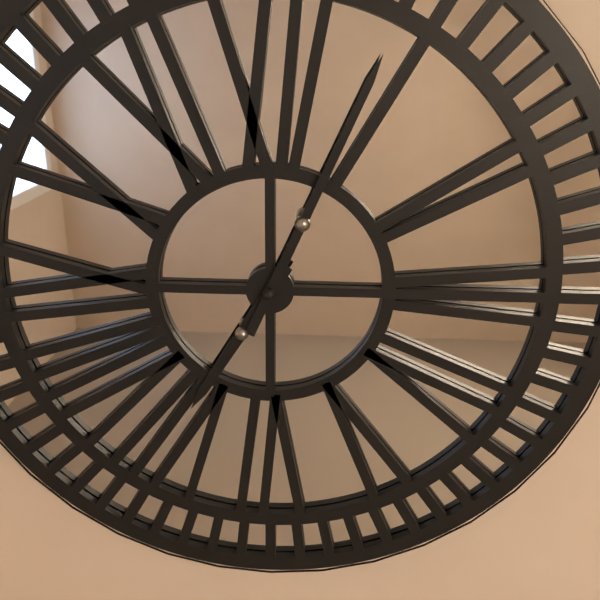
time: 7:04
